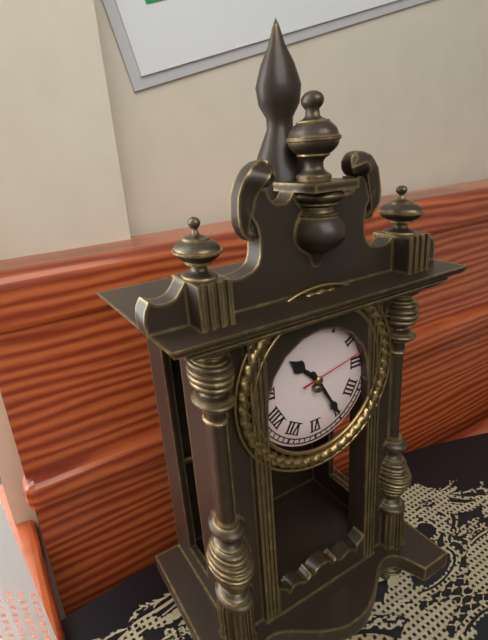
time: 10:25:13
